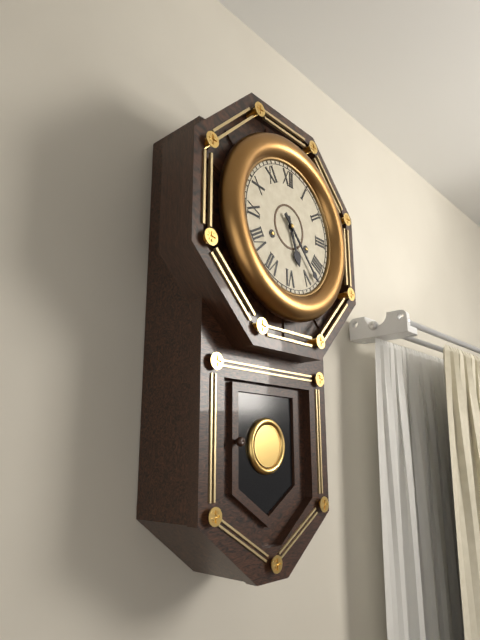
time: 5:23
